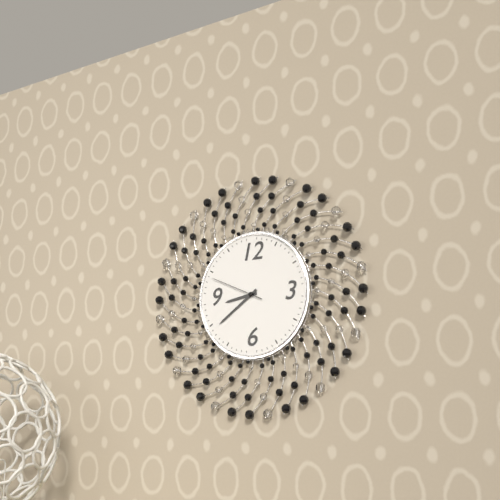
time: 8:39:49
